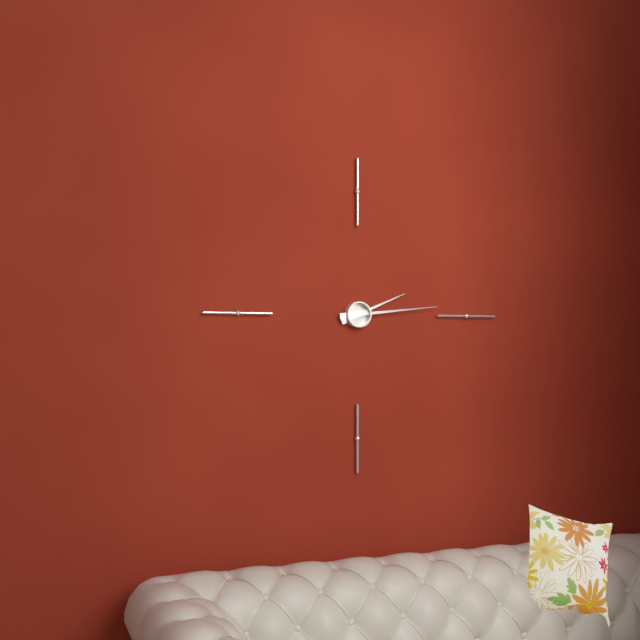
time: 2:14
